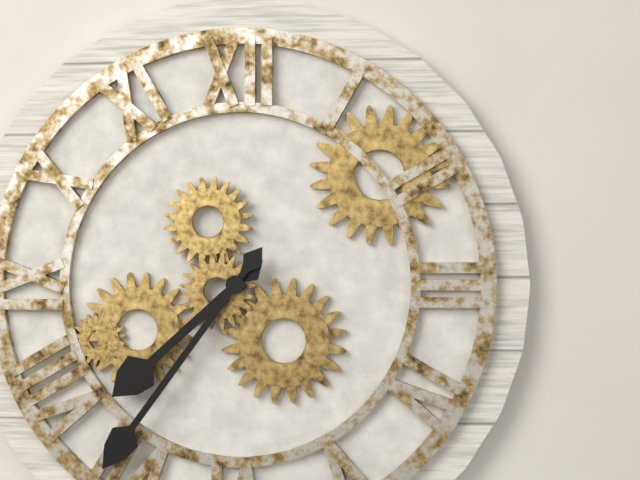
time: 7:36
